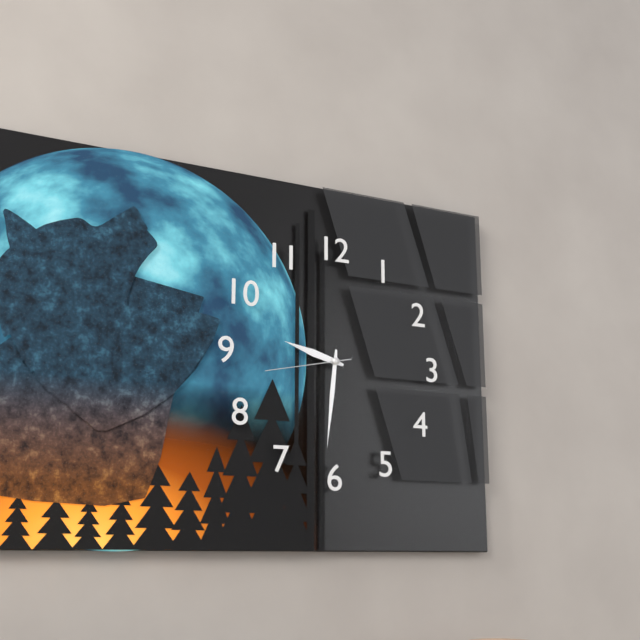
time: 9:31:43
